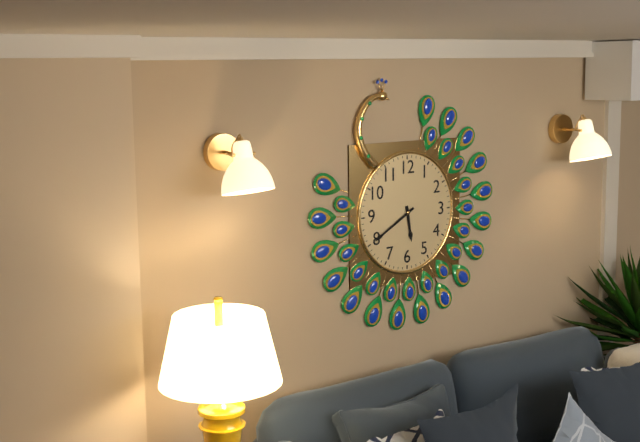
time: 5:40
